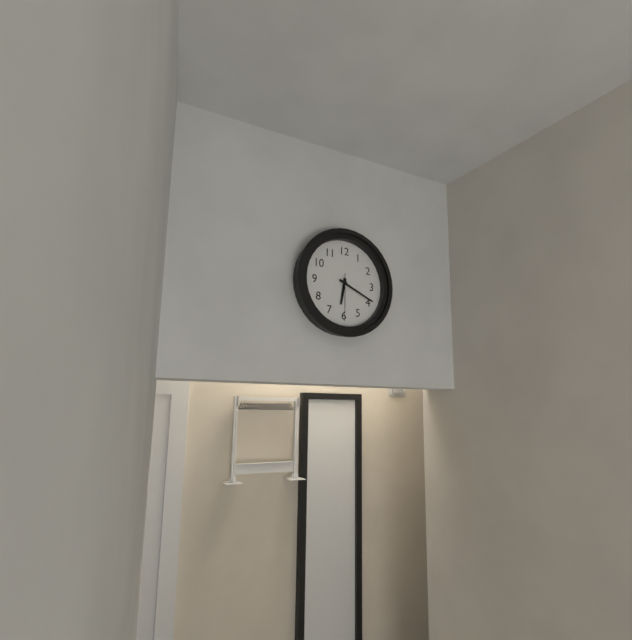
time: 6:19
